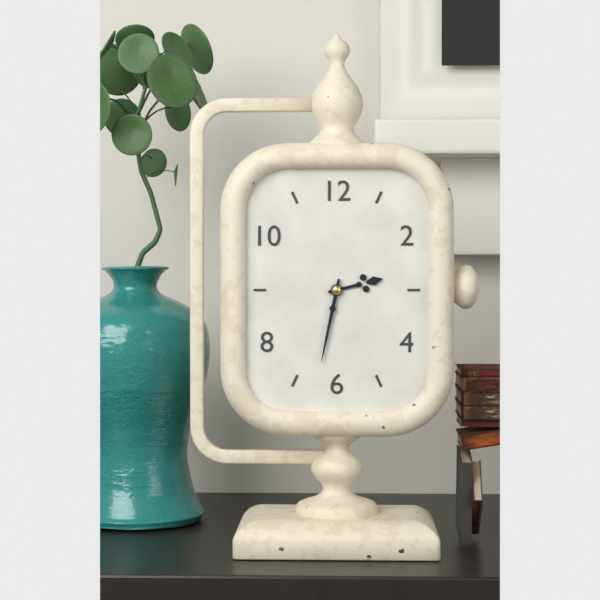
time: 2:32
